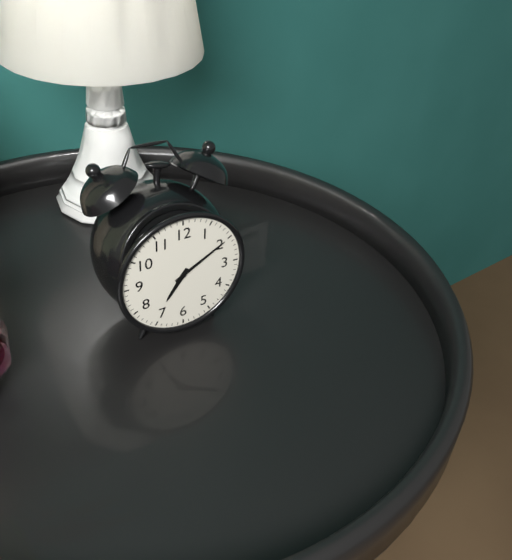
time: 7:10
